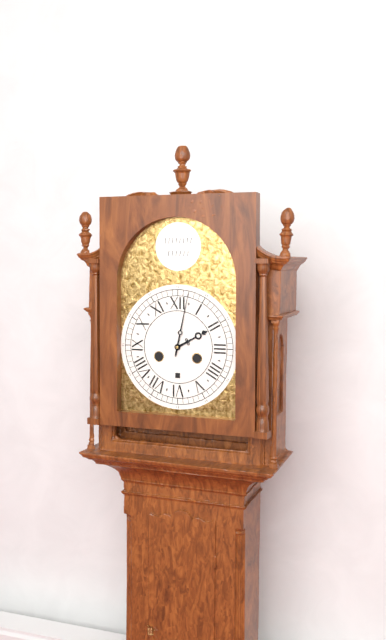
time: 2:02
